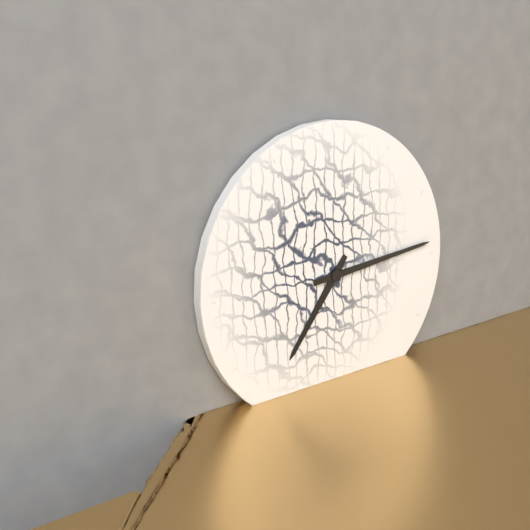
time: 7:14
